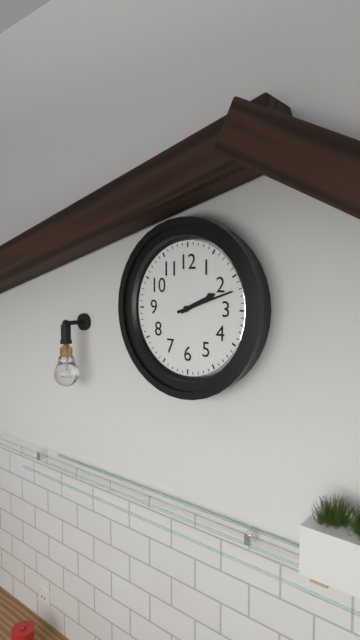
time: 2:12
